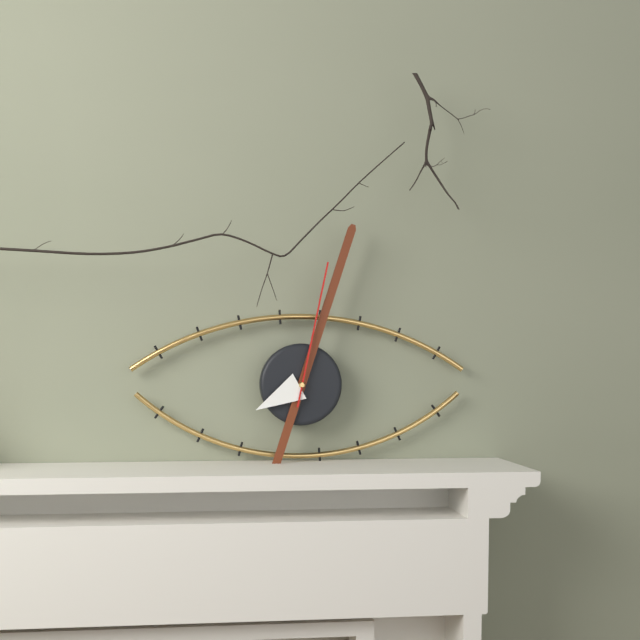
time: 8:03:02
